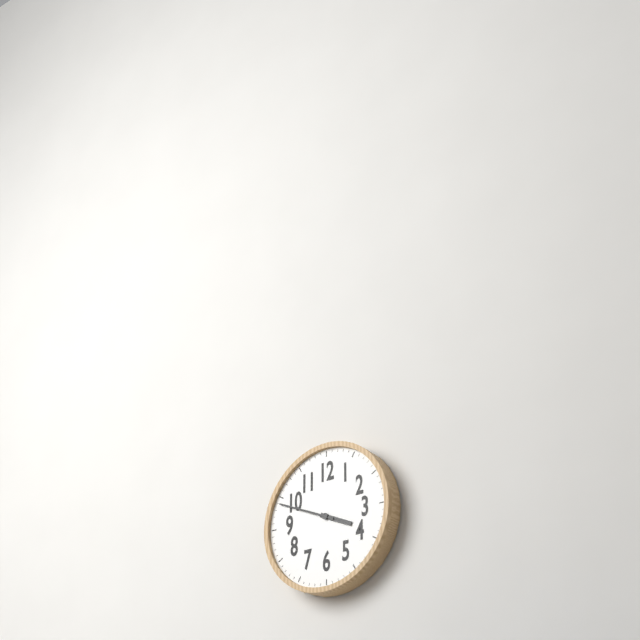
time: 3:49
